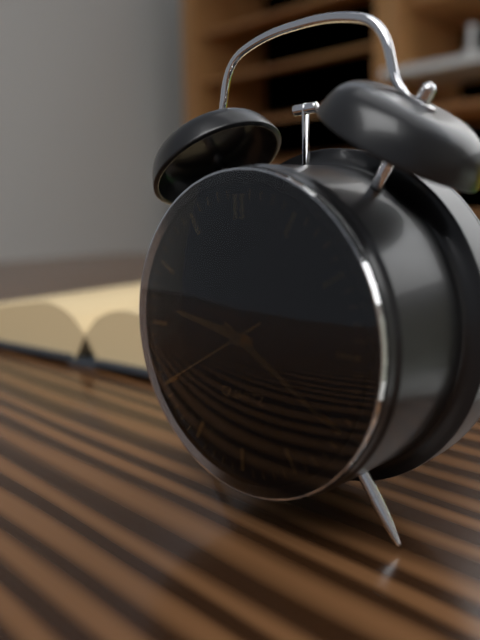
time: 9:20:40
